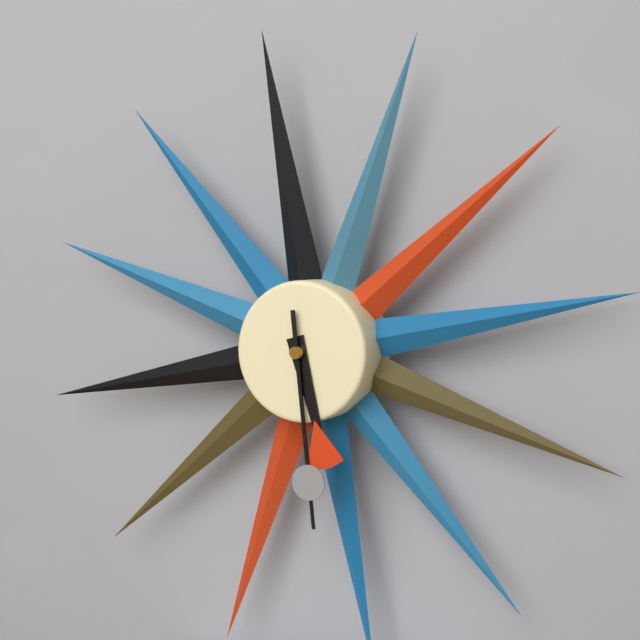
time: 5:29
